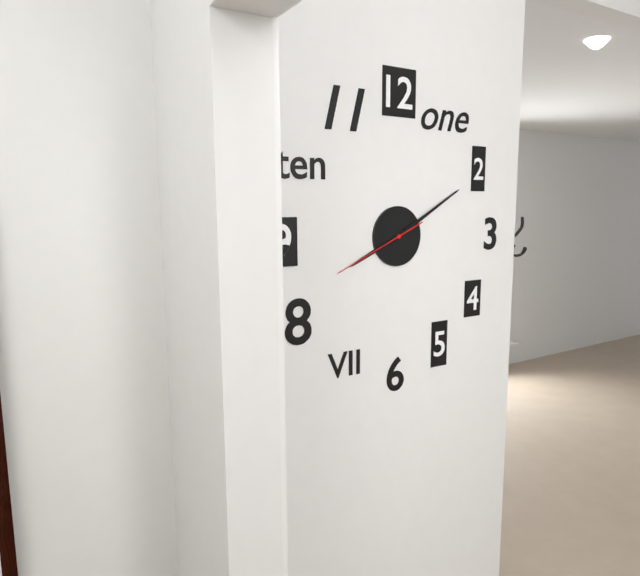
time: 8:10:41
